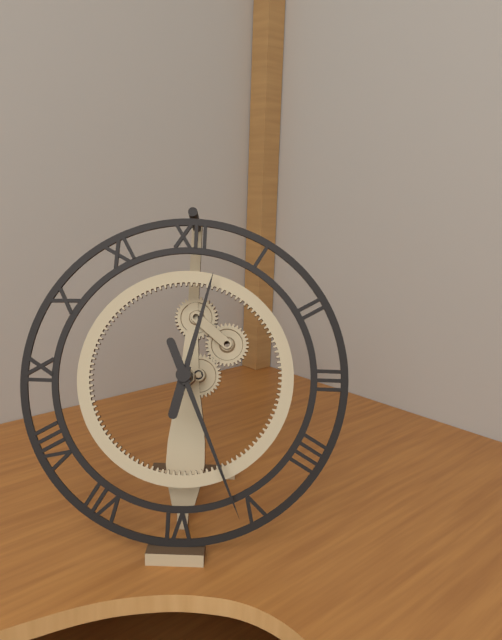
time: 12:26
